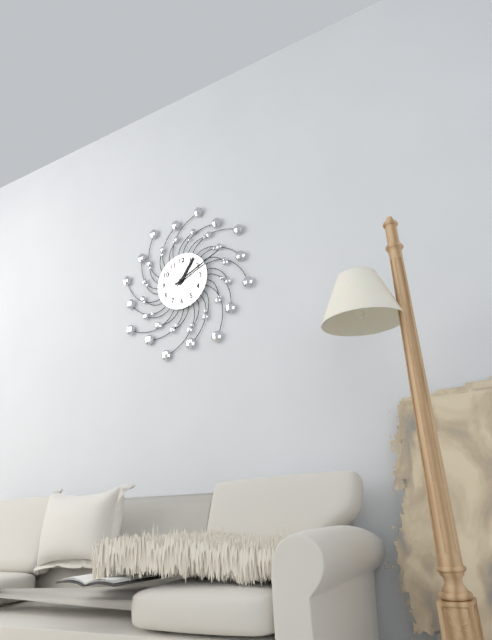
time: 1:11
